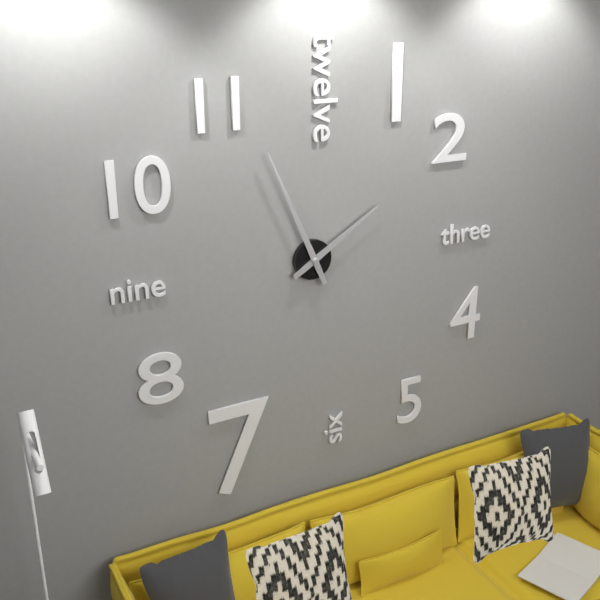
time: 1:56
